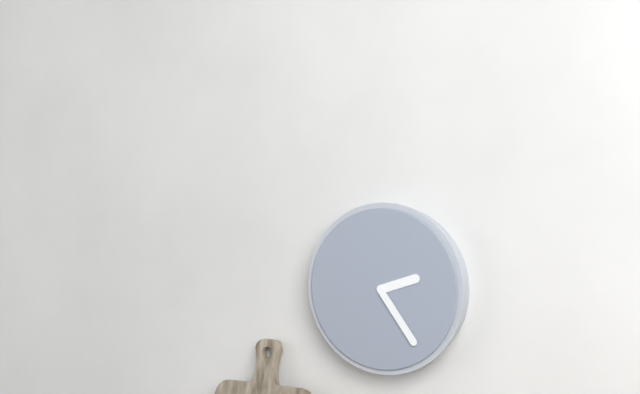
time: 2:24
